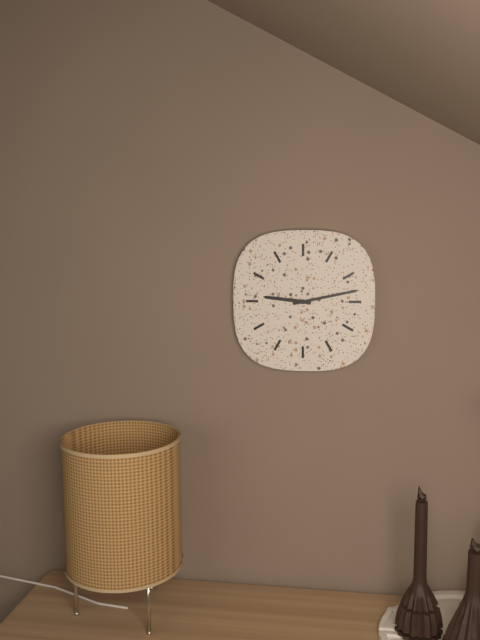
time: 9:13
